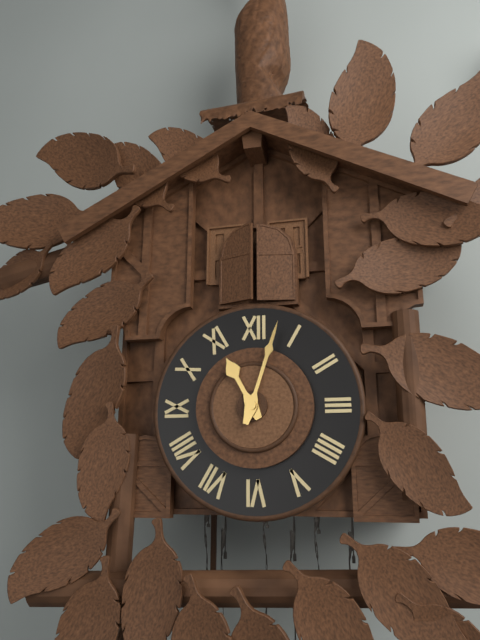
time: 11:03
